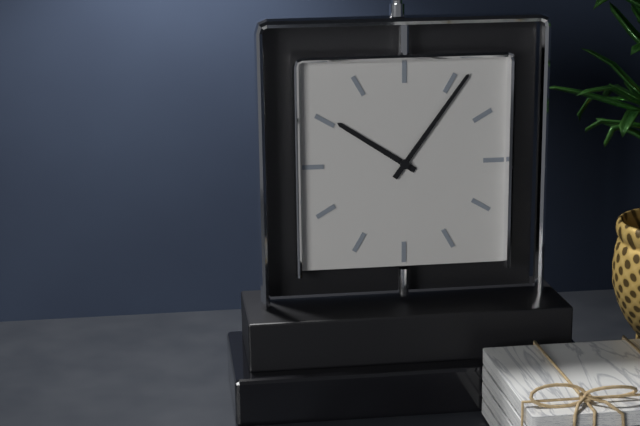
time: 10:06
